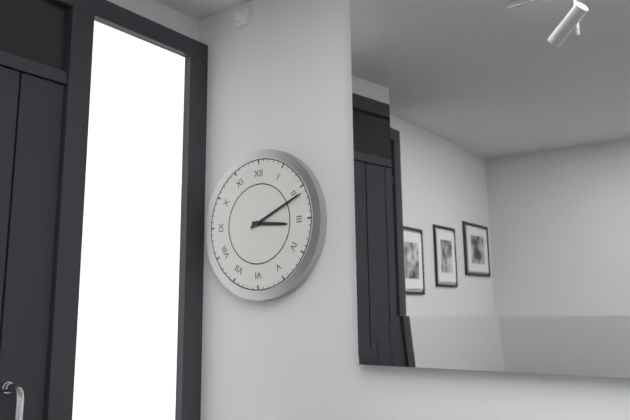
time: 3:11
